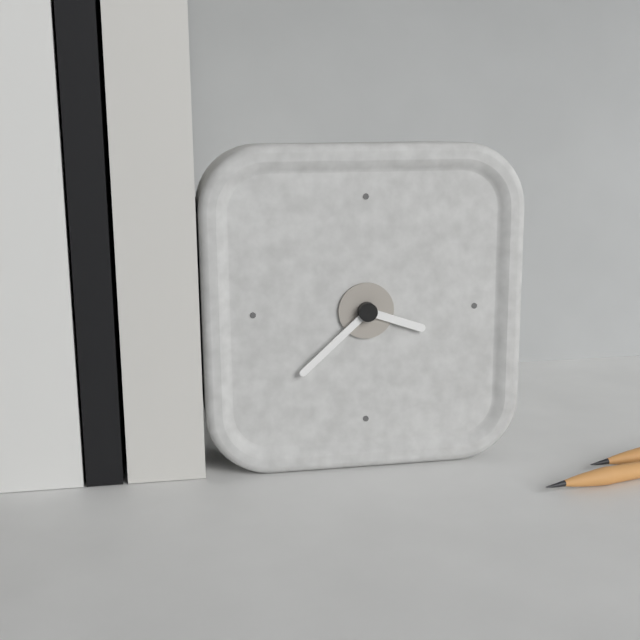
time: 3:38
